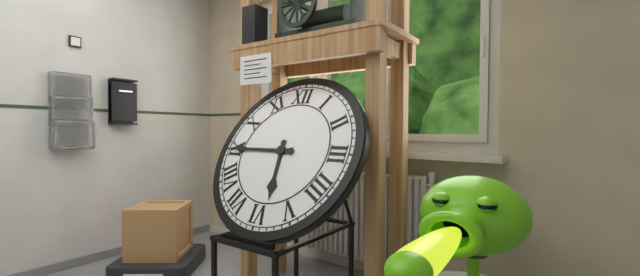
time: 5:45
